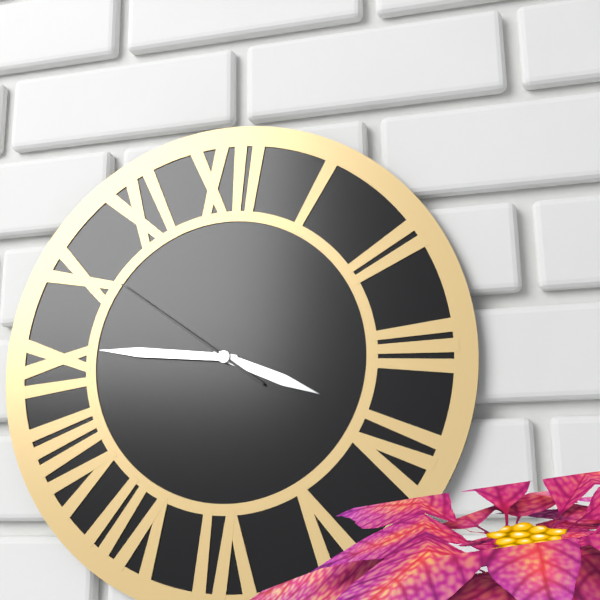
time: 3:46:51
